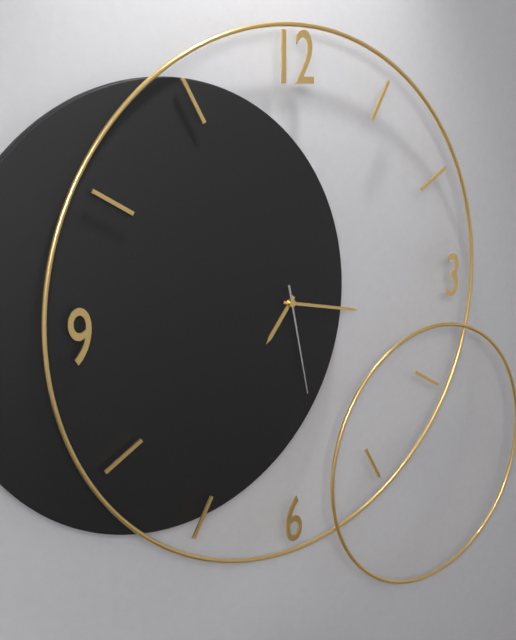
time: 7:17:28
